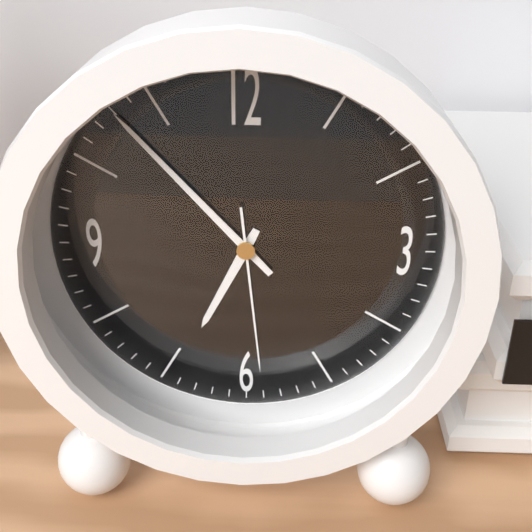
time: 6:53:29
